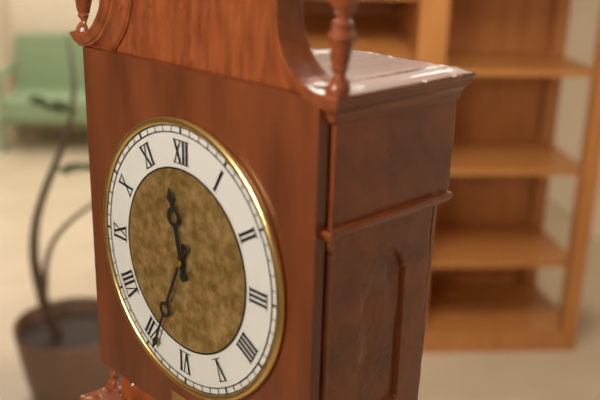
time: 11:34
